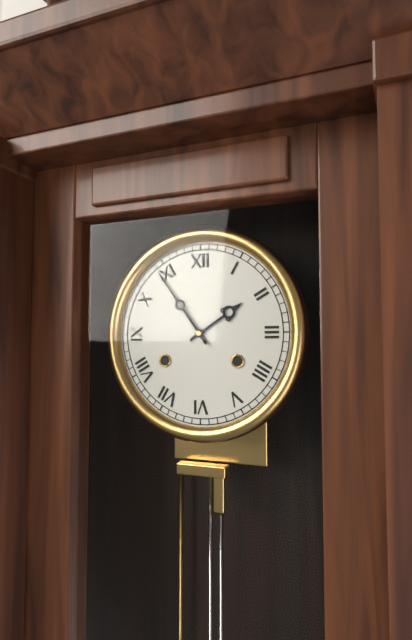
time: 1:54
